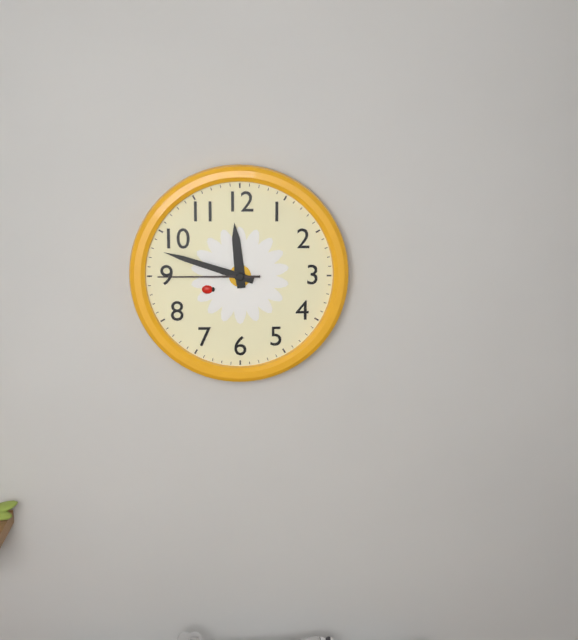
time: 11:48:45
